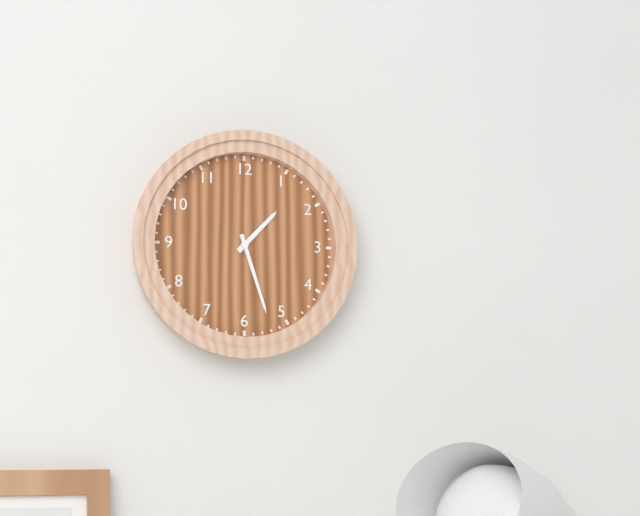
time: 1:27
